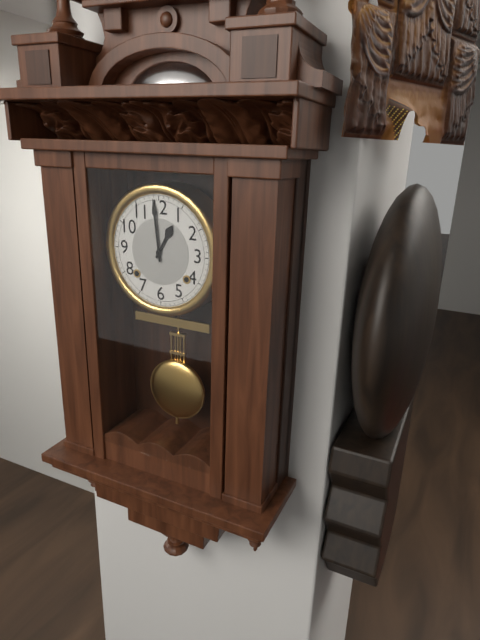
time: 12:59
